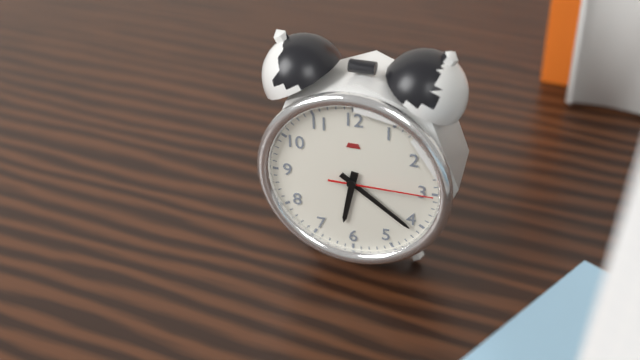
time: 6:21:15
